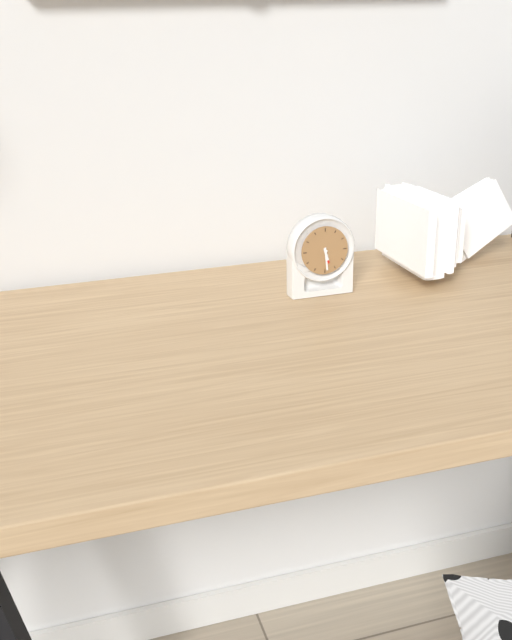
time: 5:29
